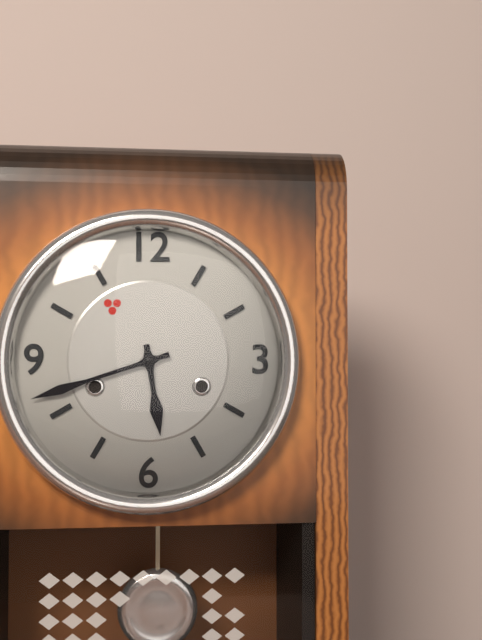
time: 5:42
